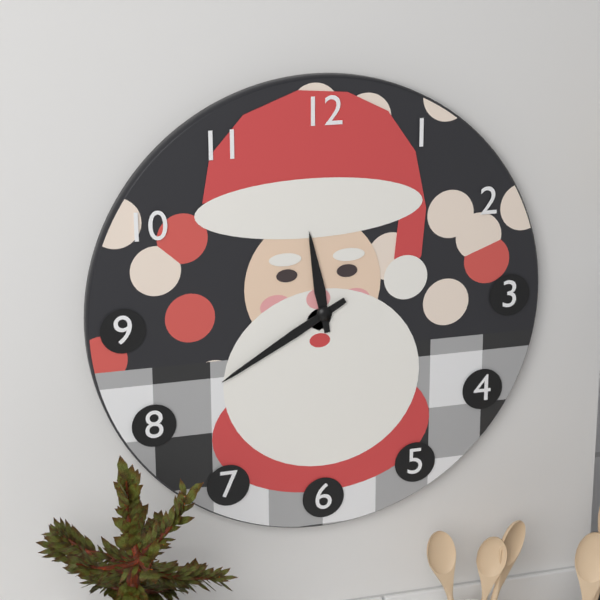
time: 11:40
